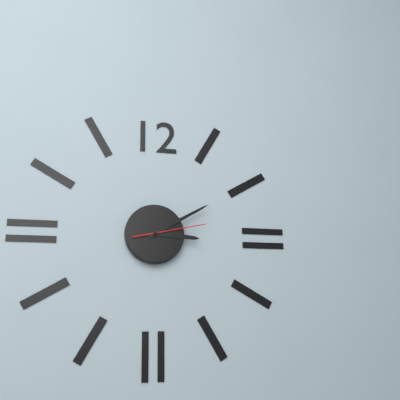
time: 3:10:13
